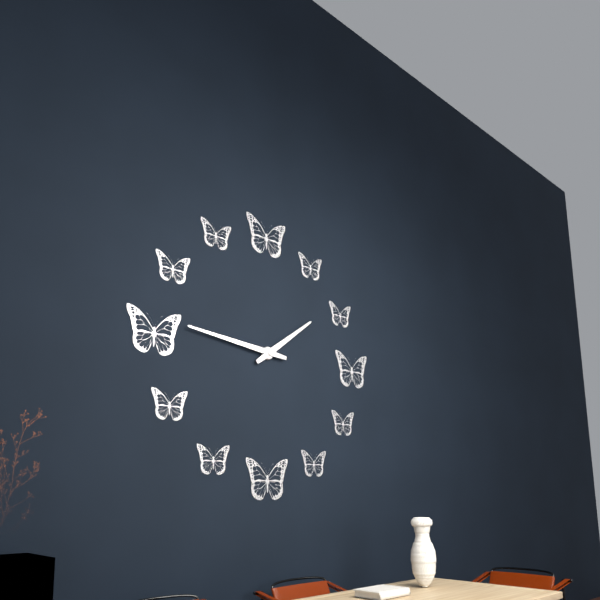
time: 1:46
